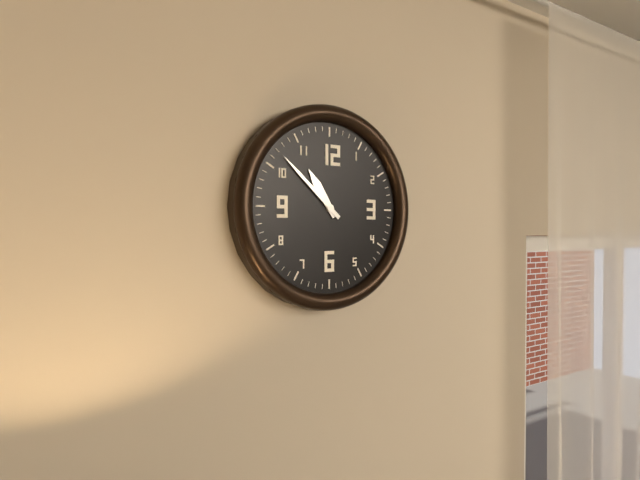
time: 10:52
